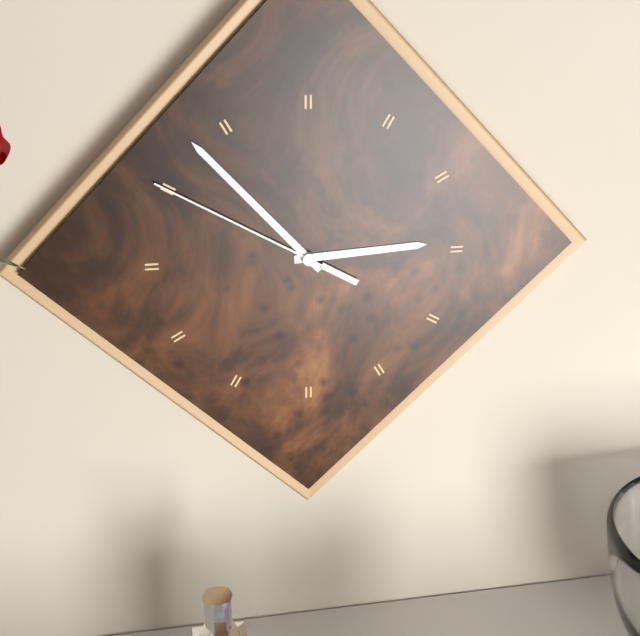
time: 2:53:50
